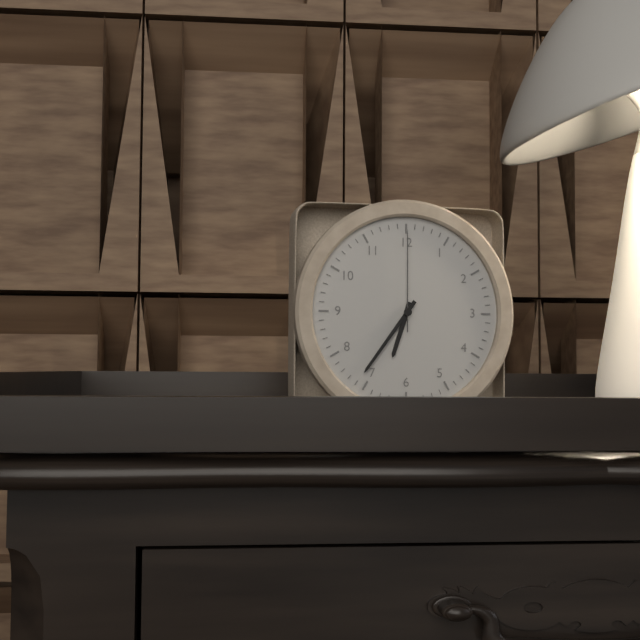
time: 6:36:00
